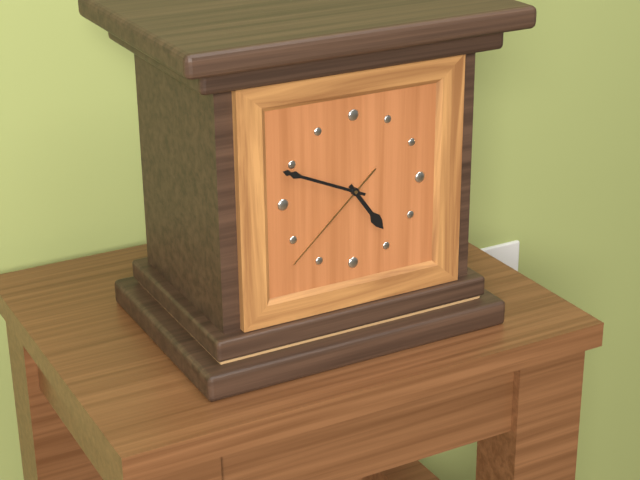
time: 4:49:38
